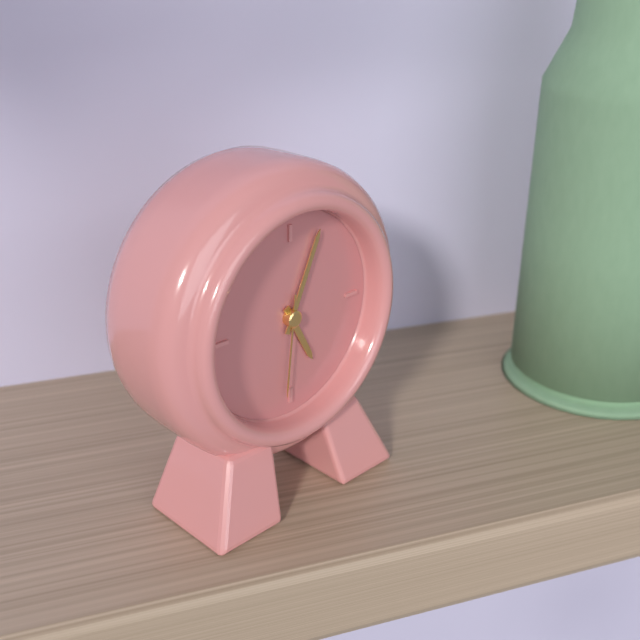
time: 5:04:31
